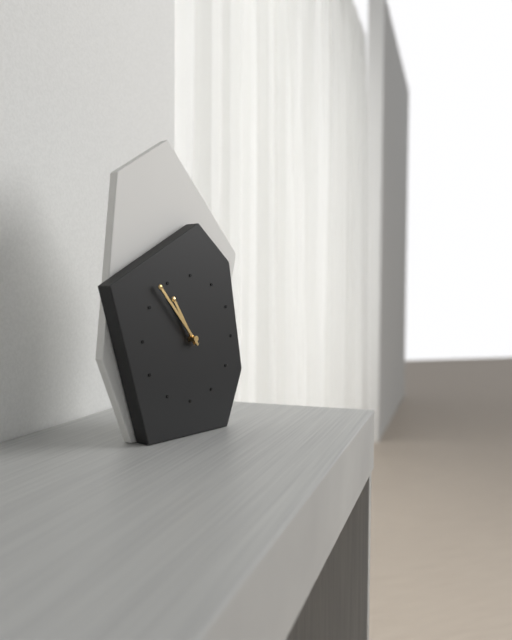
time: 10:53
